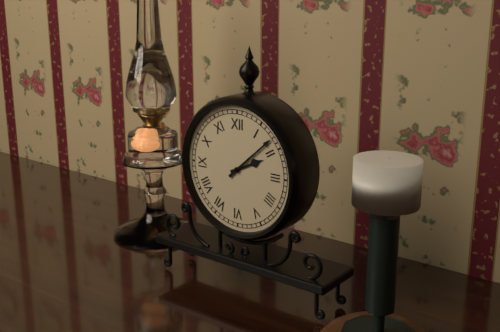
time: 2:08
